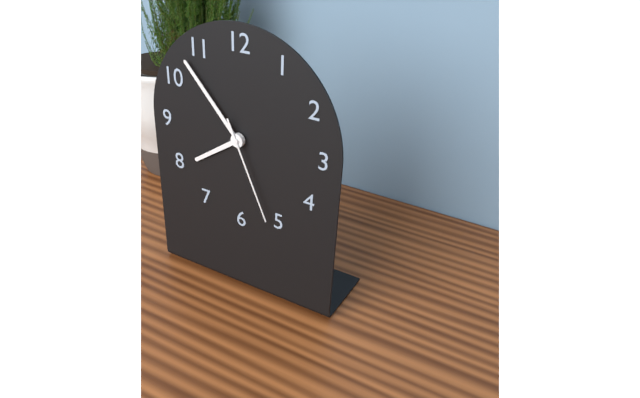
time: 7:53:26
